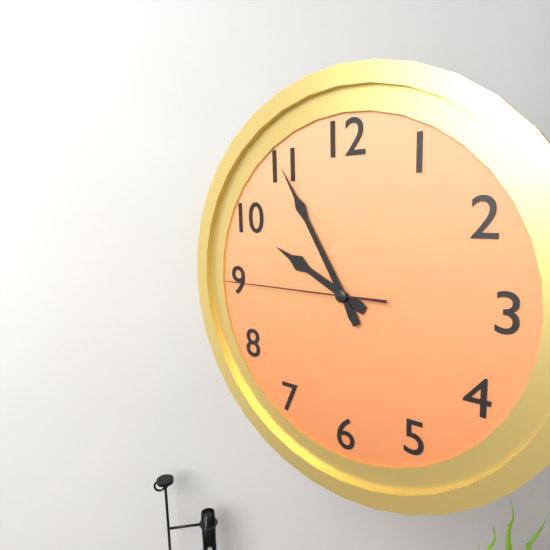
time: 9:55:45
